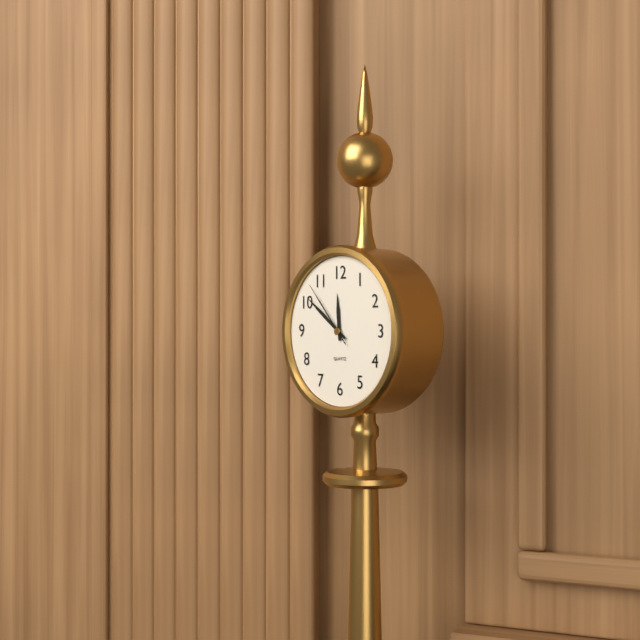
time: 11:51:53
